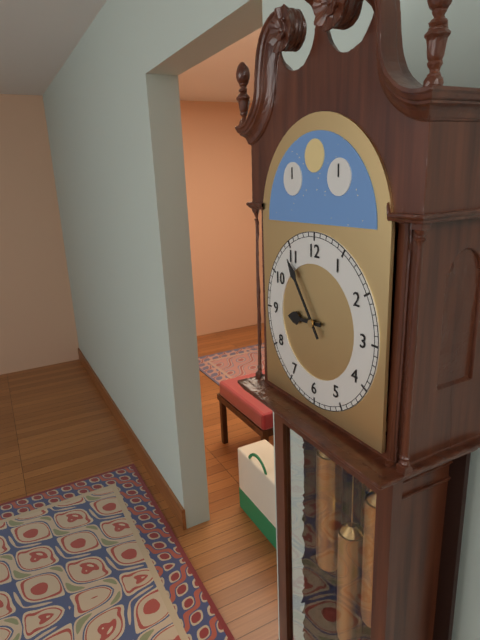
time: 8:54
